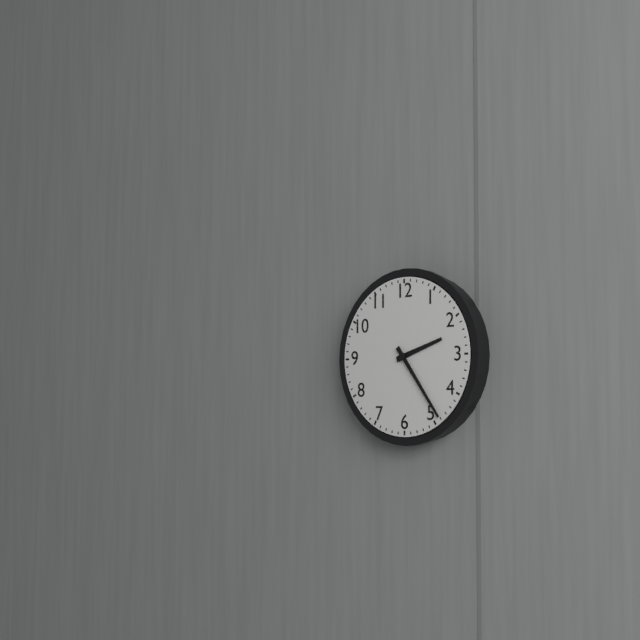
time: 2:24
